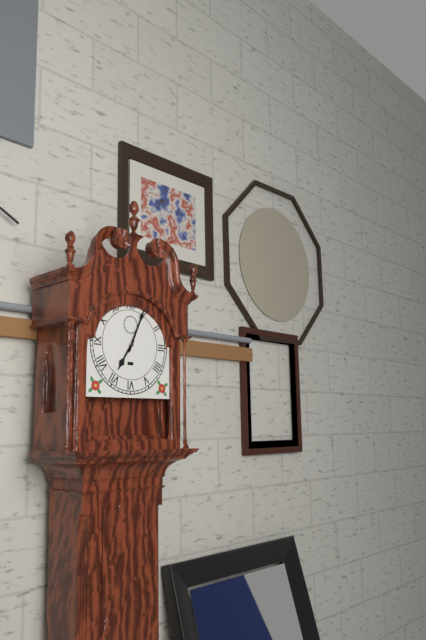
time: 7:04
